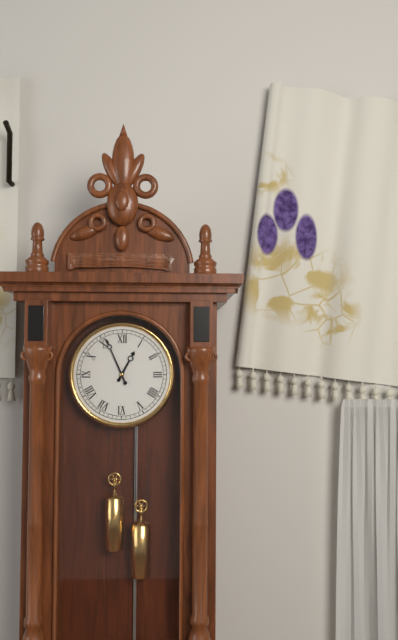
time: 12:56
